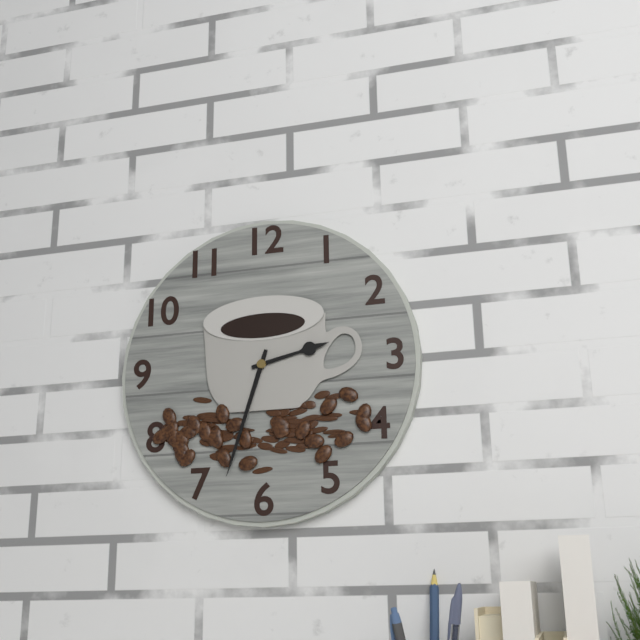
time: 2:33
